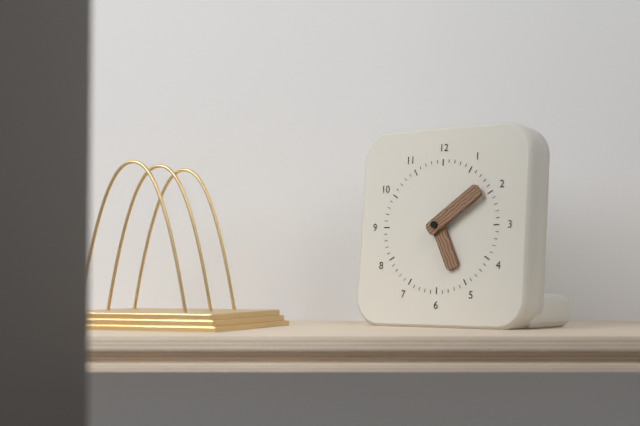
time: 5:09
